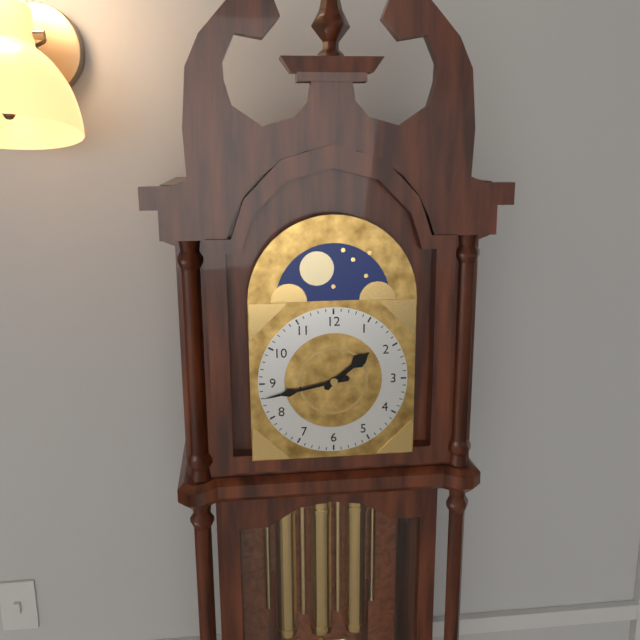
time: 1:43
